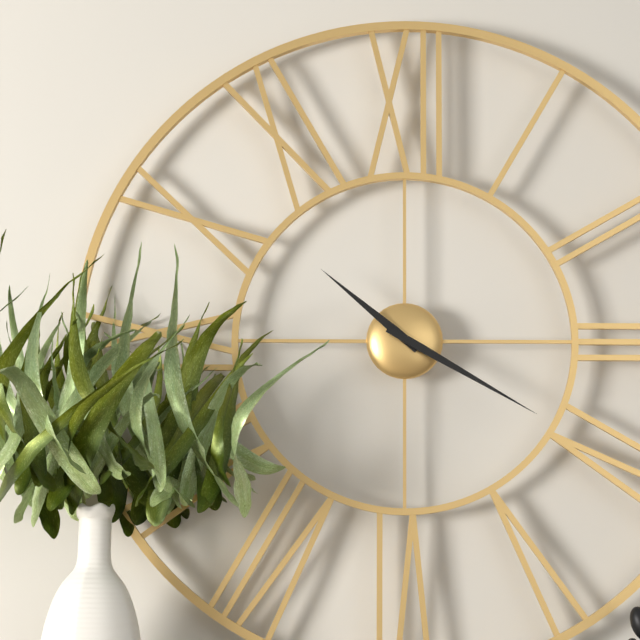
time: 10:20
